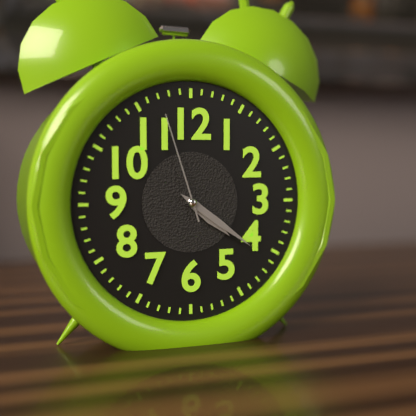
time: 4:21:57
